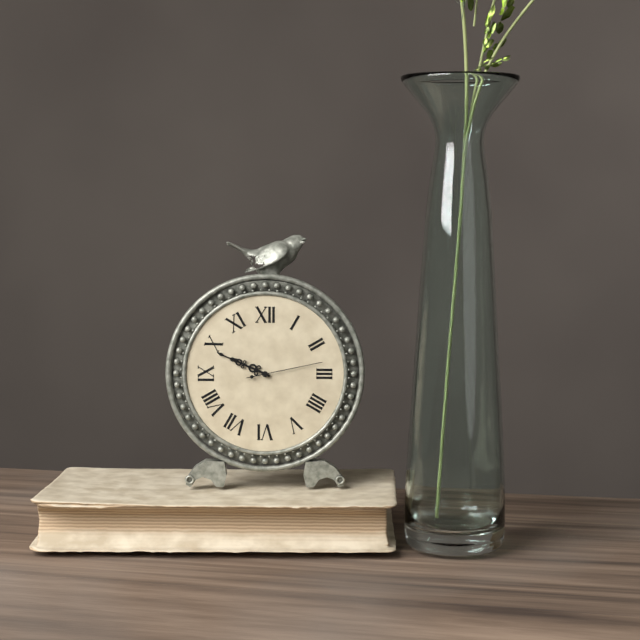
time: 9:49:13
